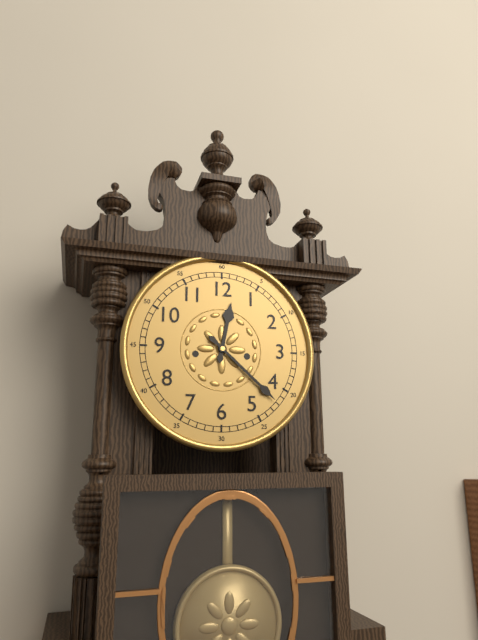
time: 12:22
